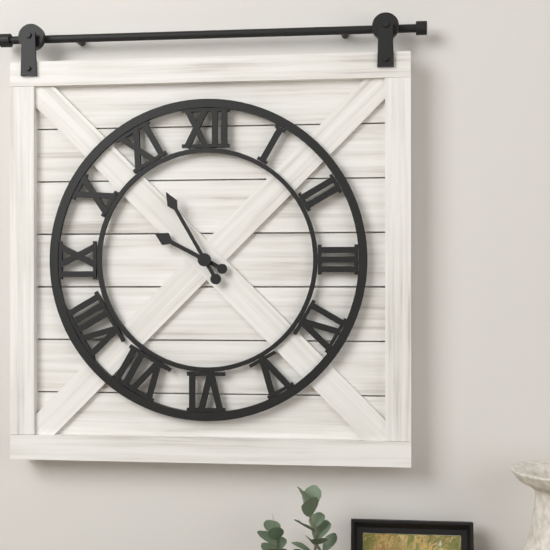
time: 9:55
